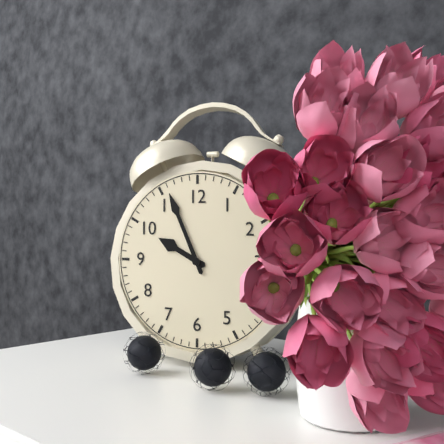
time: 9:56
